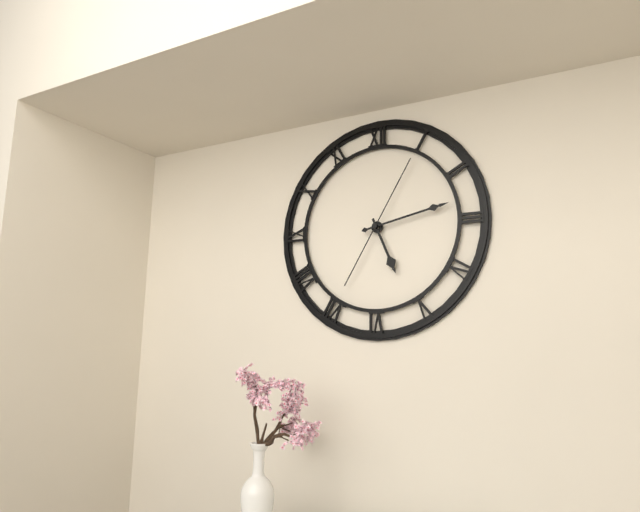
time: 5:13:05
